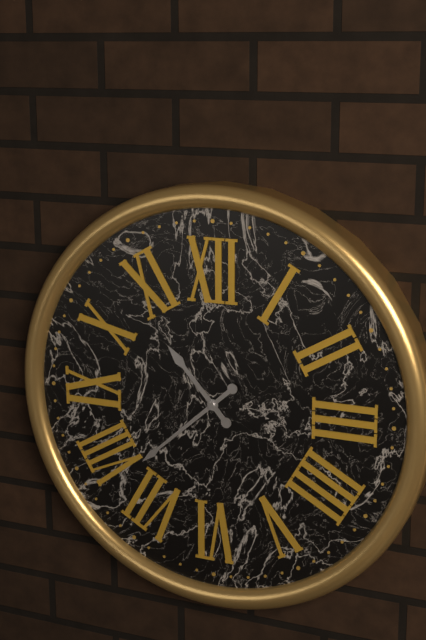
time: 10:38
